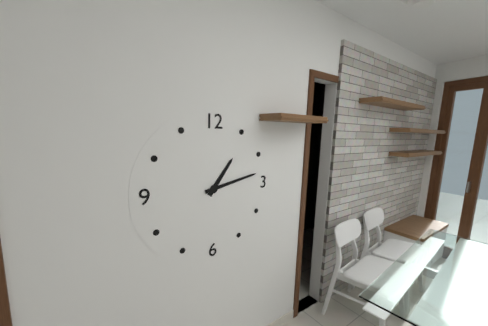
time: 1:13
